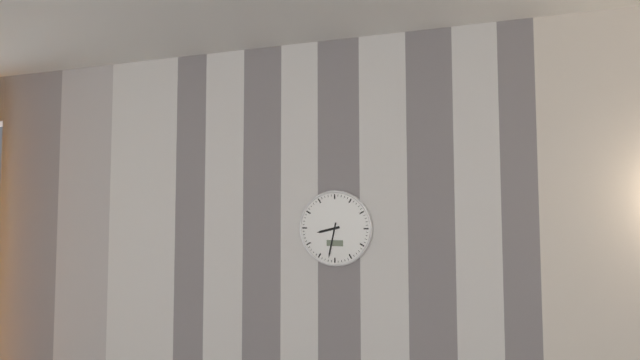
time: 8:32
